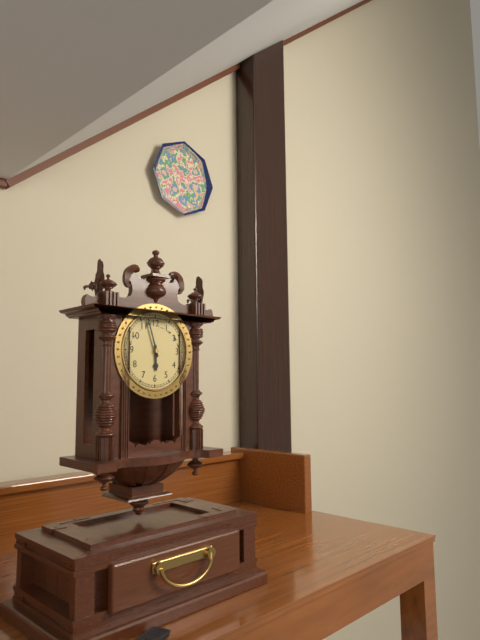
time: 5:57
